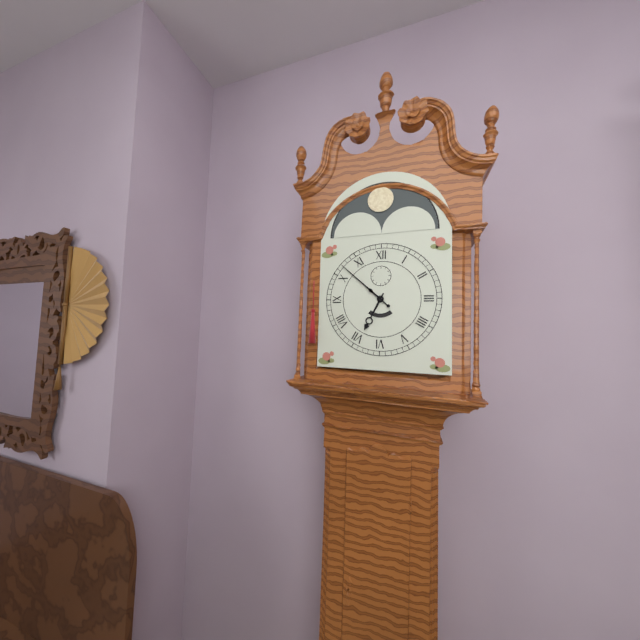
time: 6:52
